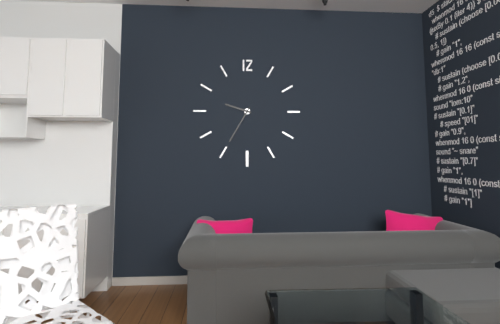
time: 9:35
